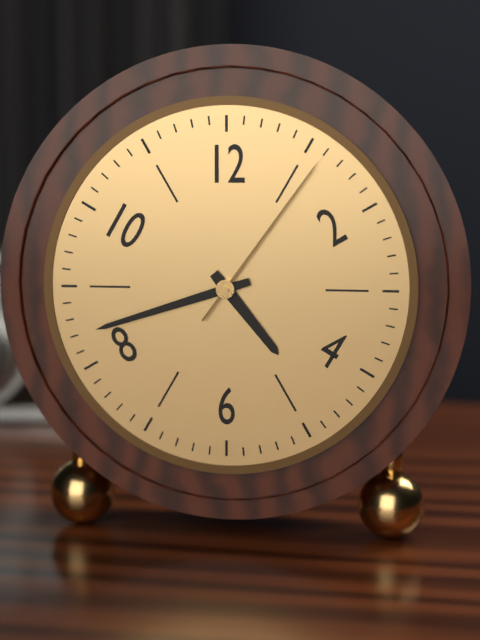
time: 4:42:06
